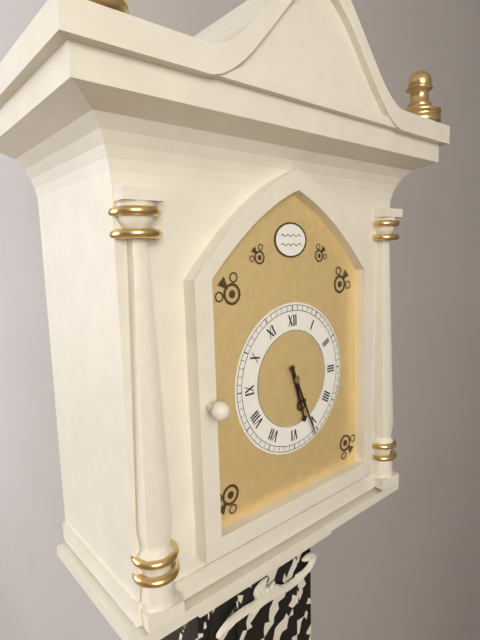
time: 5:26
